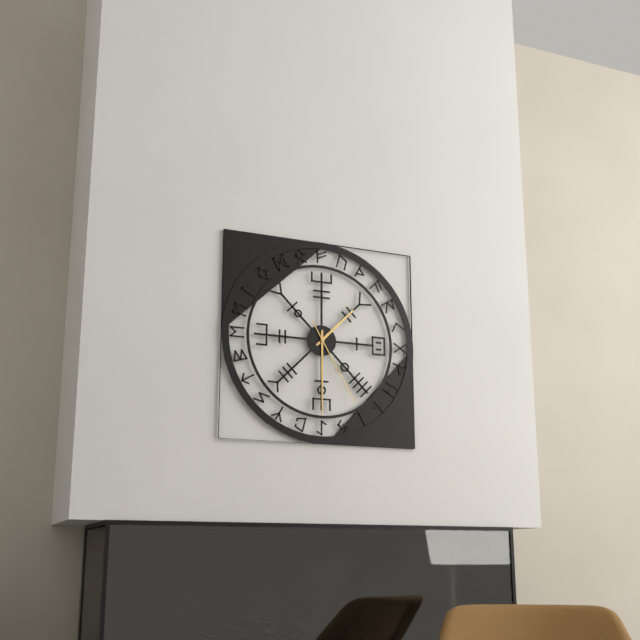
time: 1:30:25
